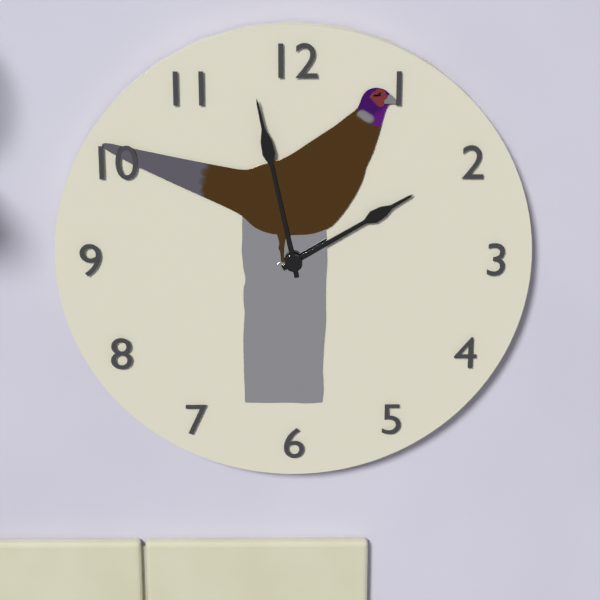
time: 1:58
